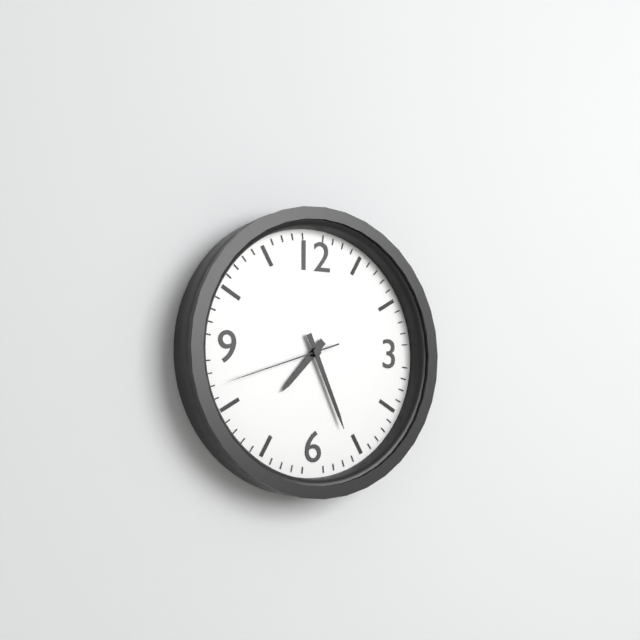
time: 7:26:42
